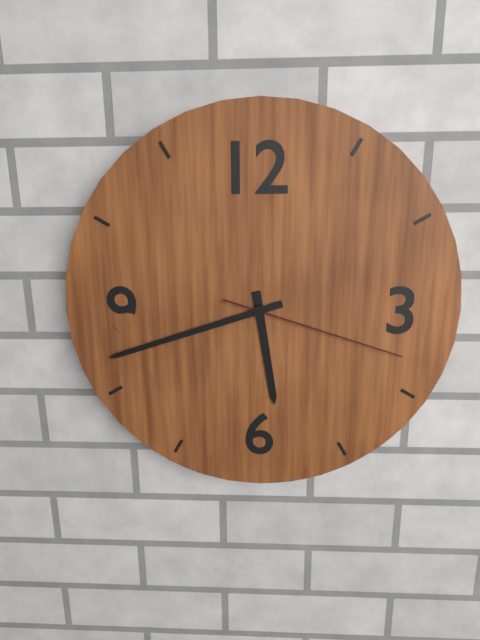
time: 5:42:18
